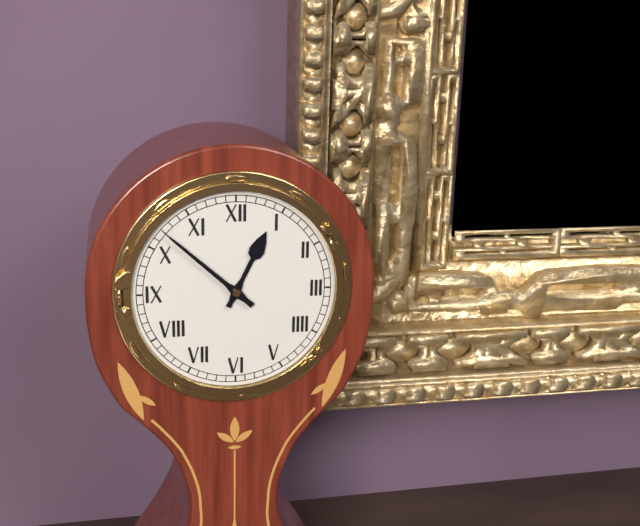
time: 12:52
